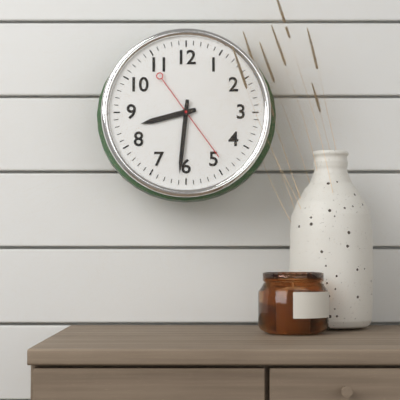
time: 8:31:24
